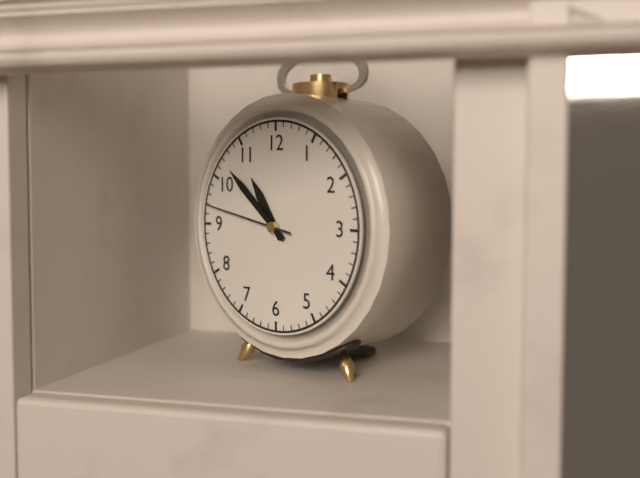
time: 10:52:47
